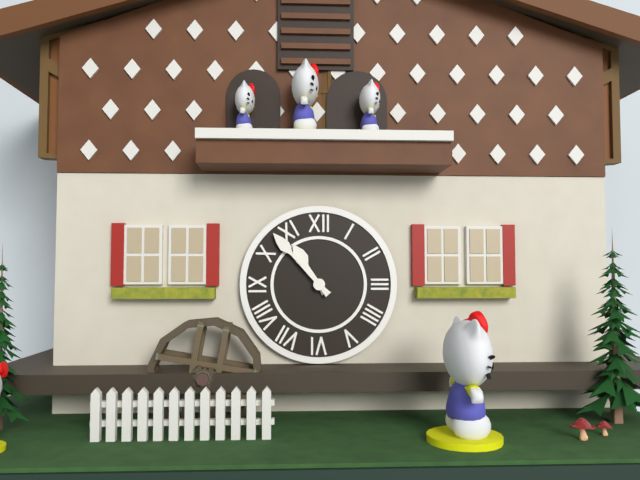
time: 10:53
